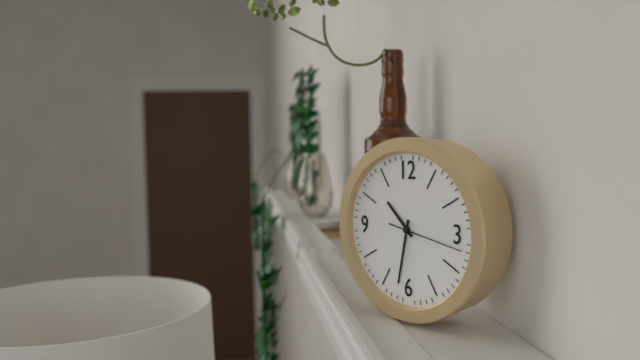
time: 10:32:17
